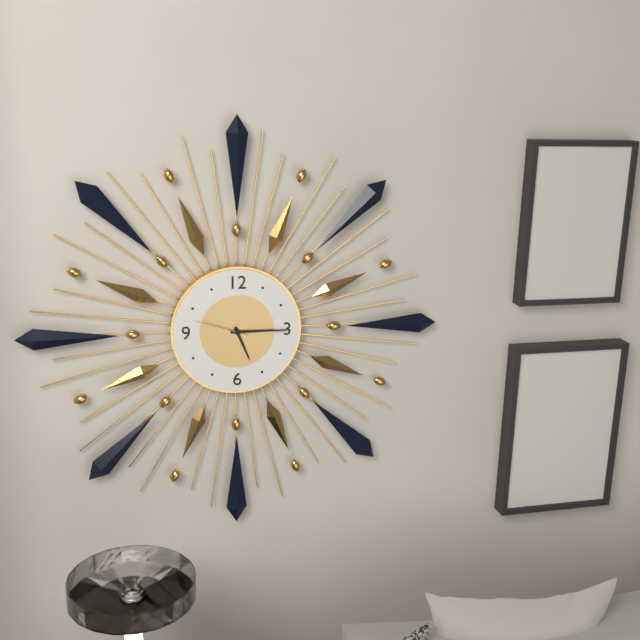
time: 5:15:48
